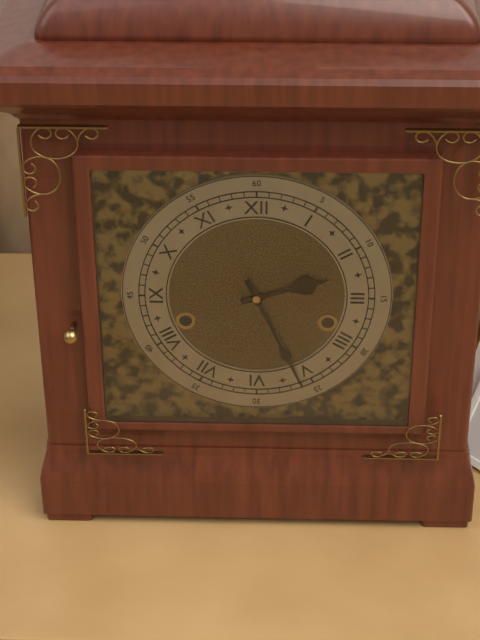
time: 2:26
